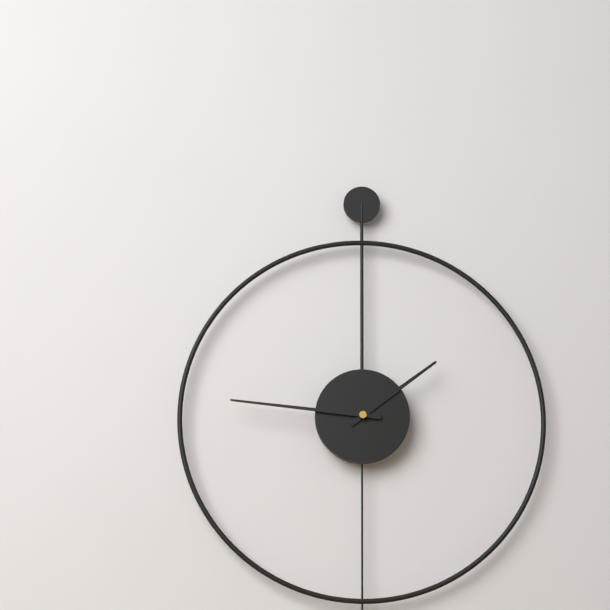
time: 1:46
